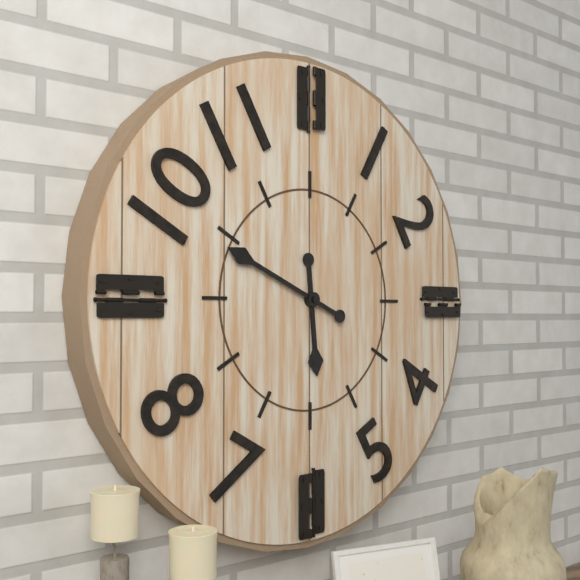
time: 5:49
